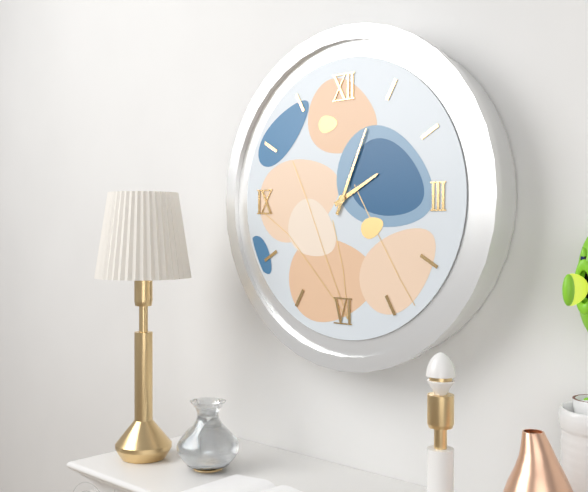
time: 2:04
